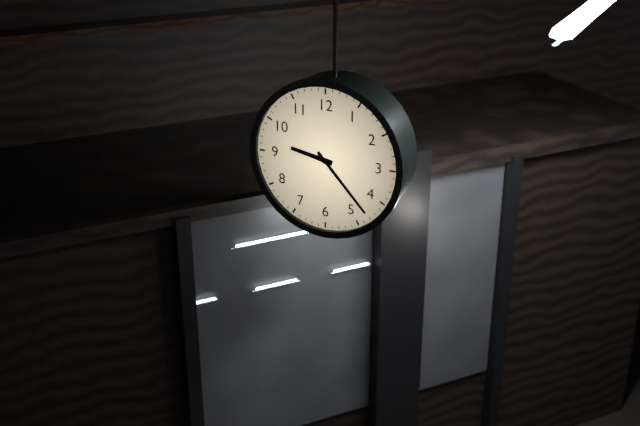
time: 9:23
